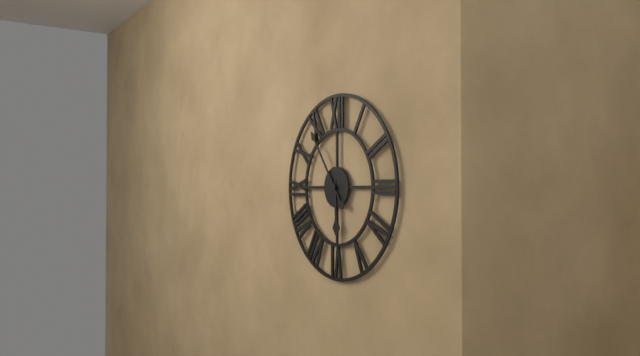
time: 5:54
